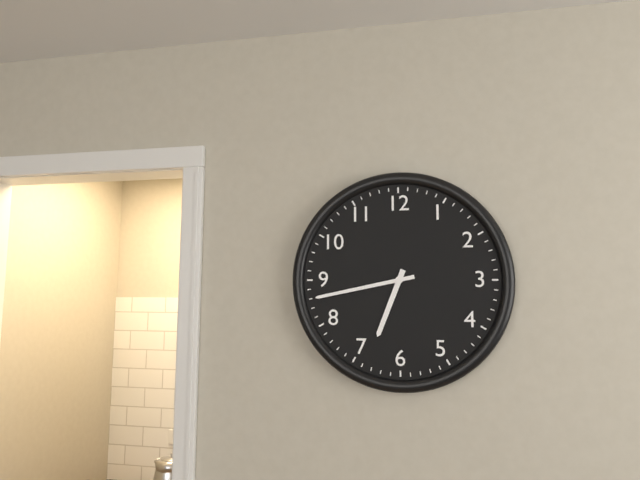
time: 6:43
